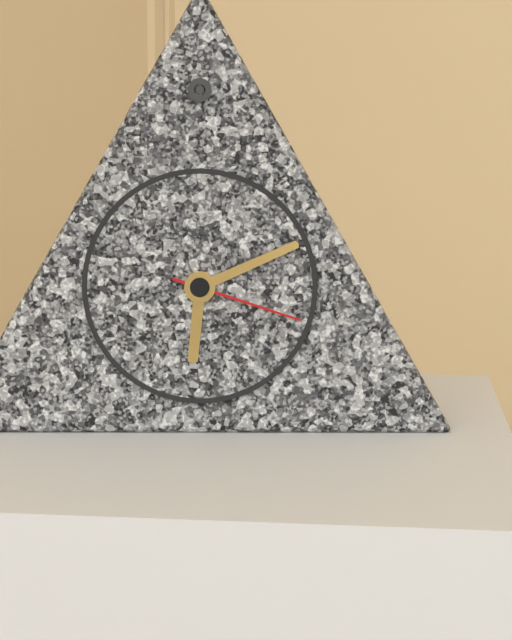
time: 6:11:18
